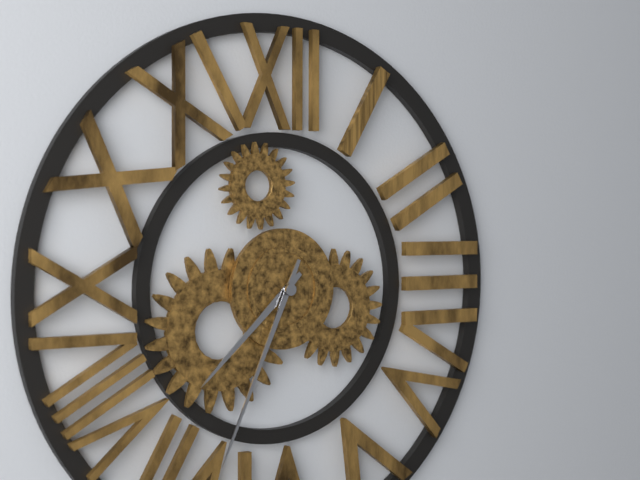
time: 7:34
